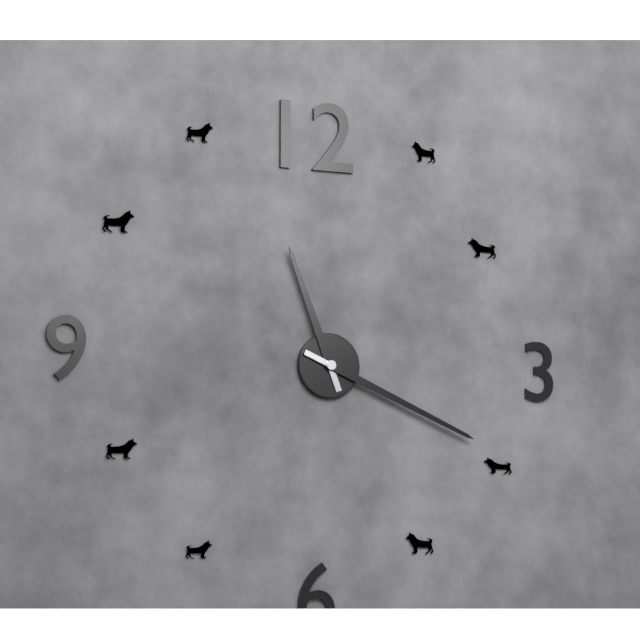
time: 11:19
